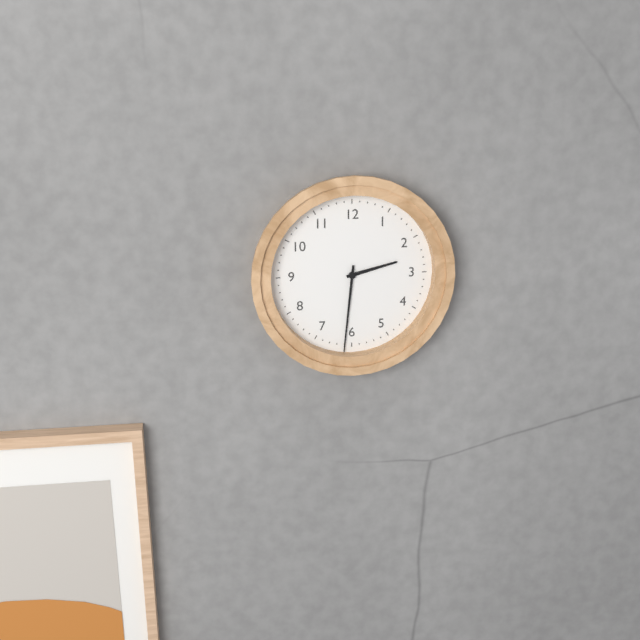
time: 2:31
